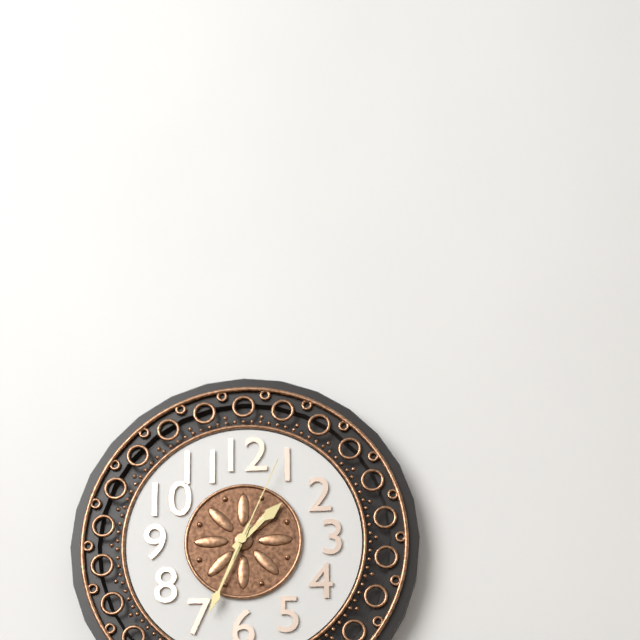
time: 1:34:04
